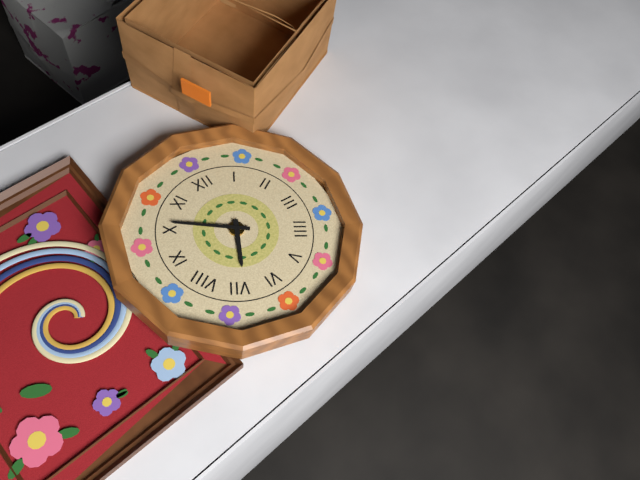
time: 6:51
